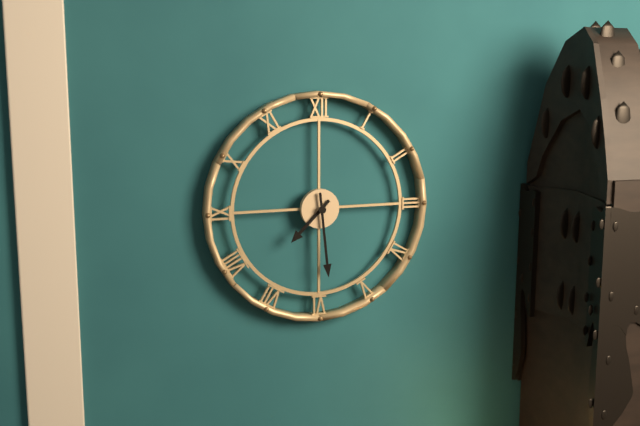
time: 7:29
